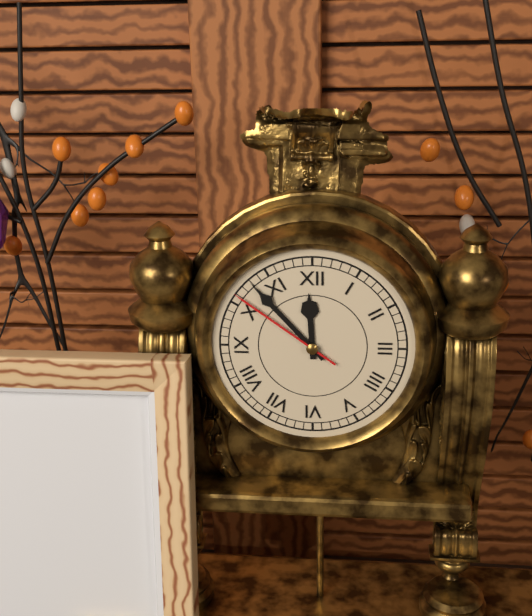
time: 11:53:51
